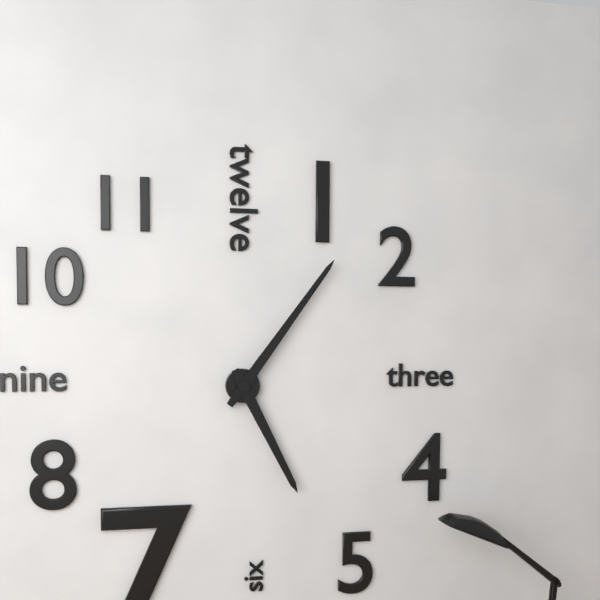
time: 5:06
